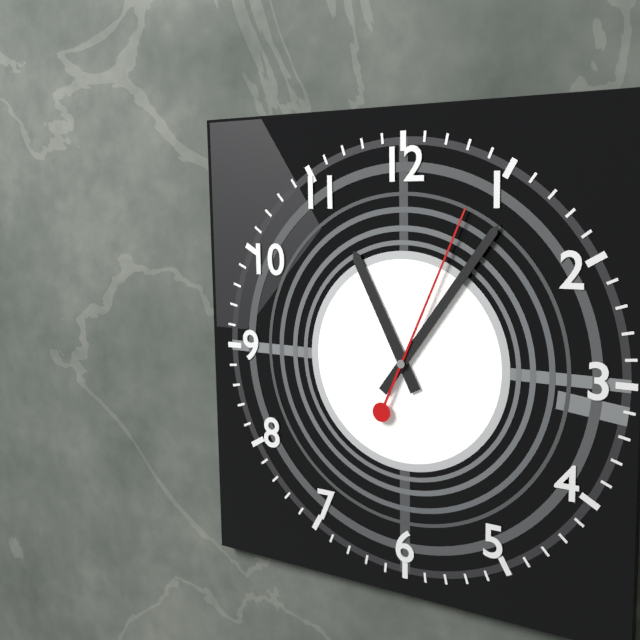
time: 11:06:04
